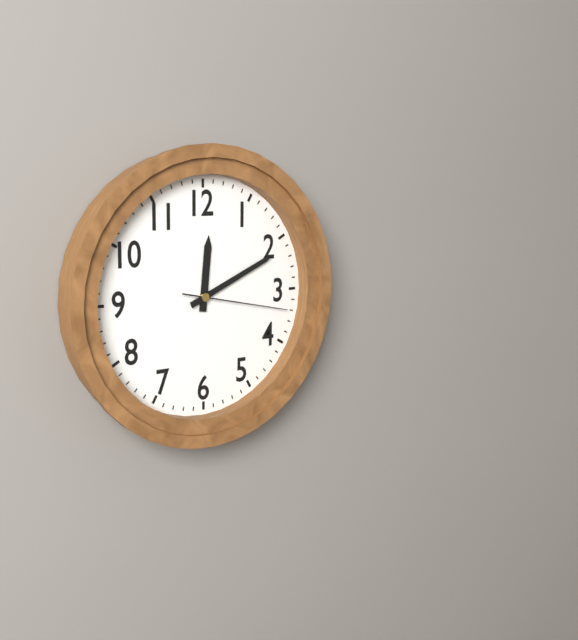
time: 12:11:17
